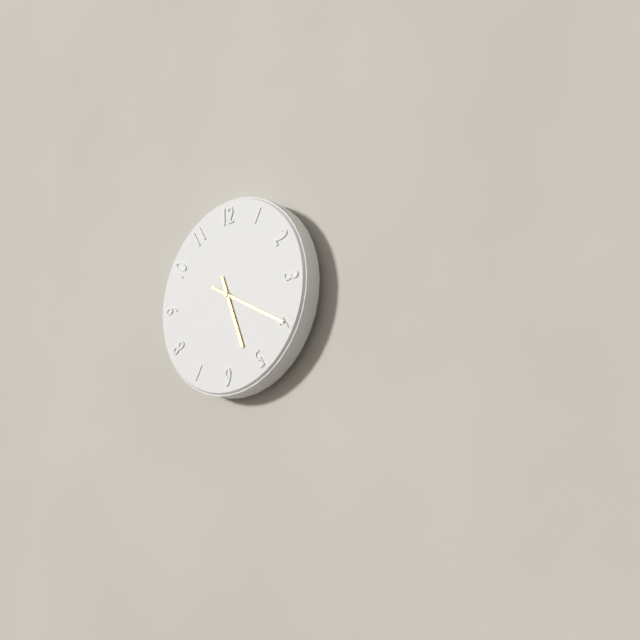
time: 5:20
